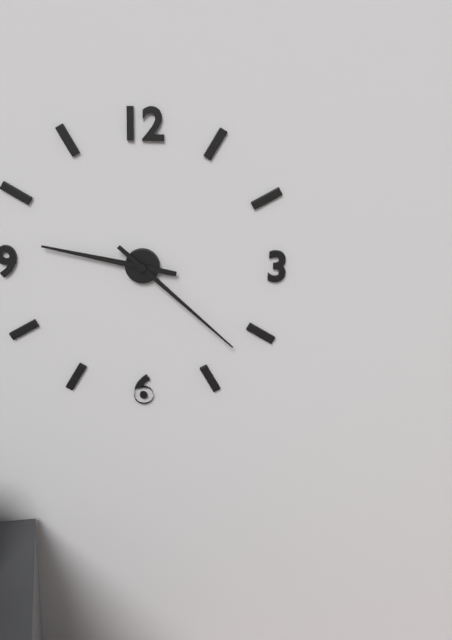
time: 9:22
